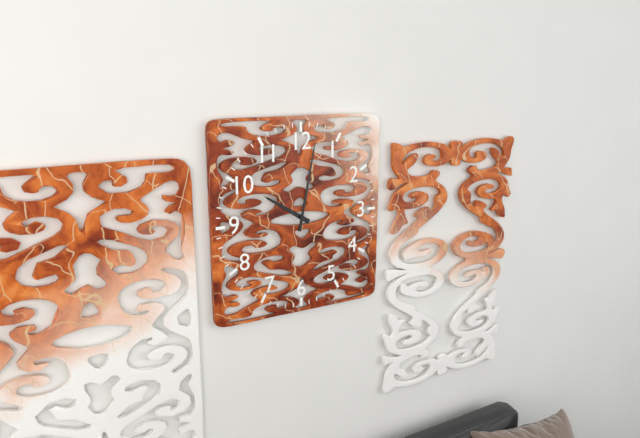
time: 10:02
